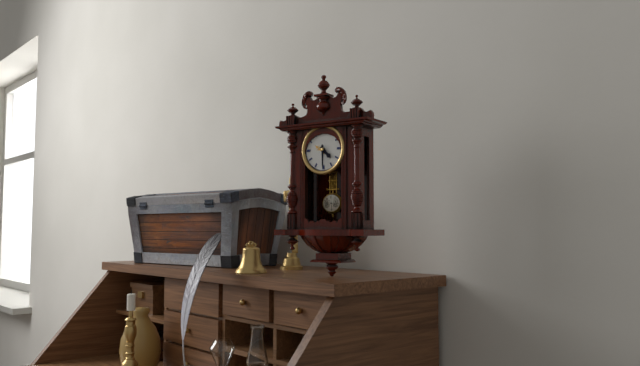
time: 4:30
